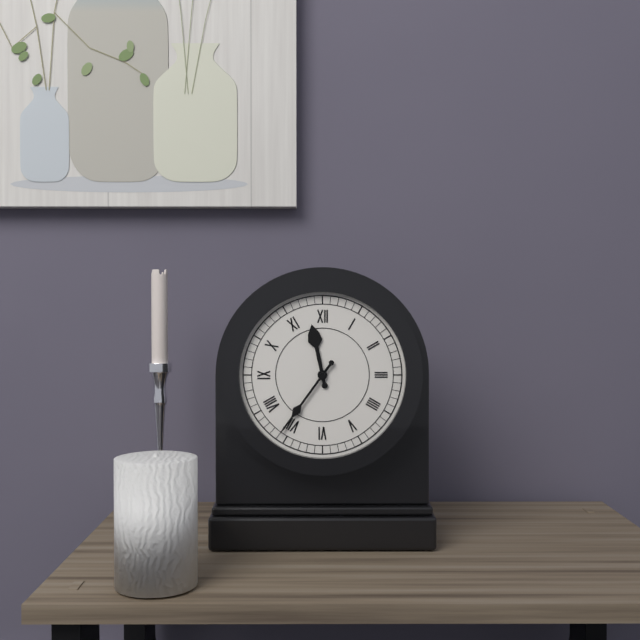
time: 11:36
